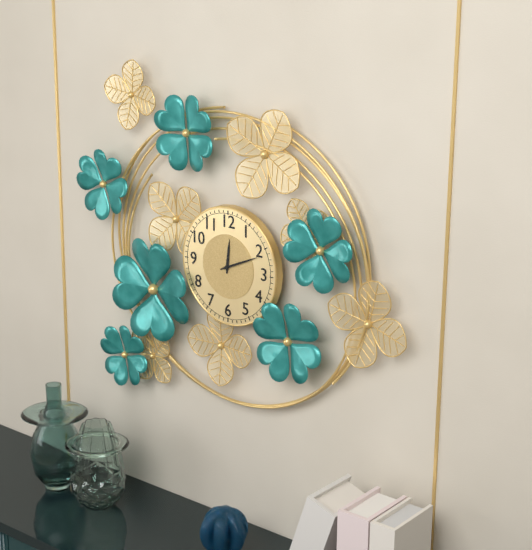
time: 12:11
